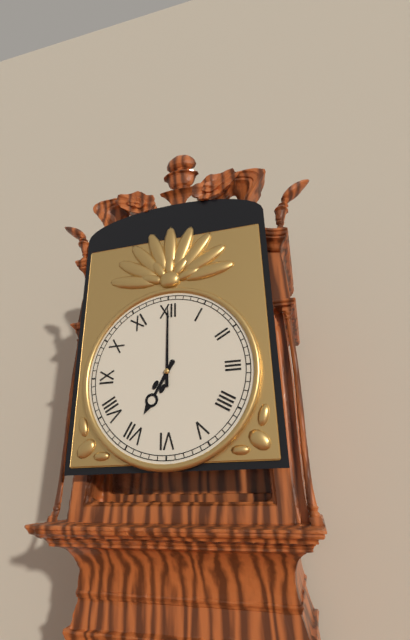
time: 7:00
